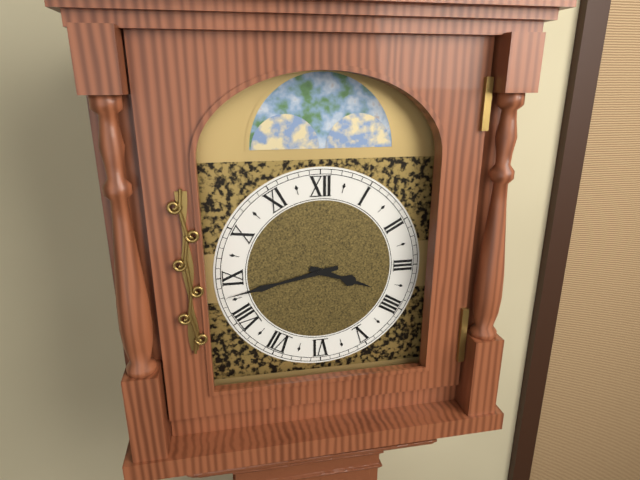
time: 3:43
